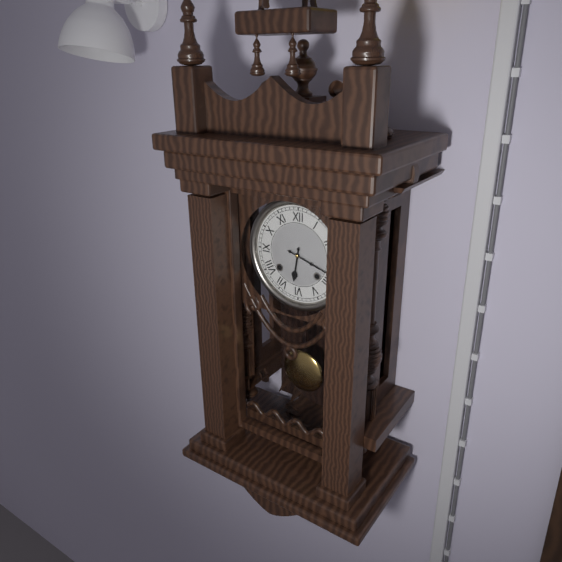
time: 6:18
